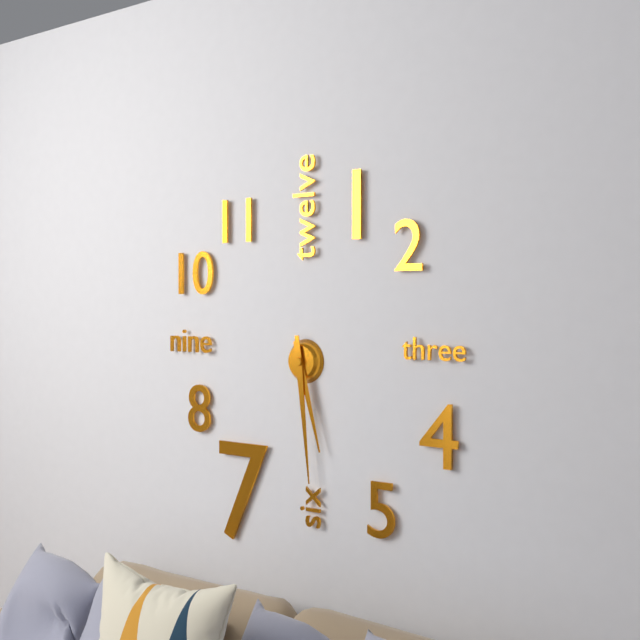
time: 5:29
